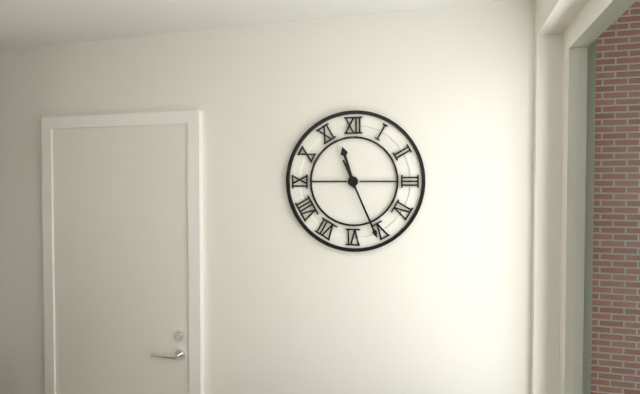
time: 11:26
